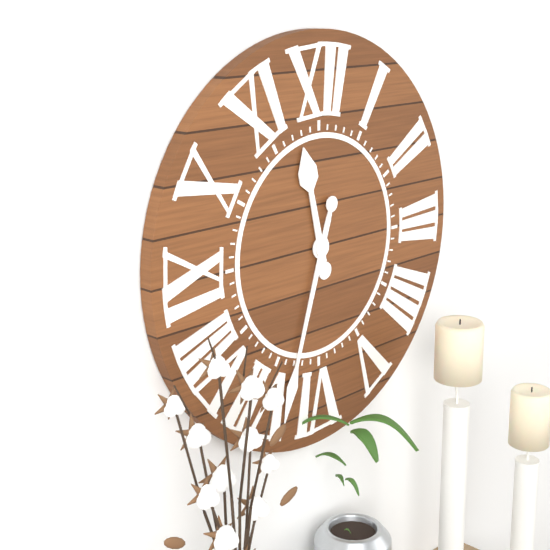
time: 11:33
